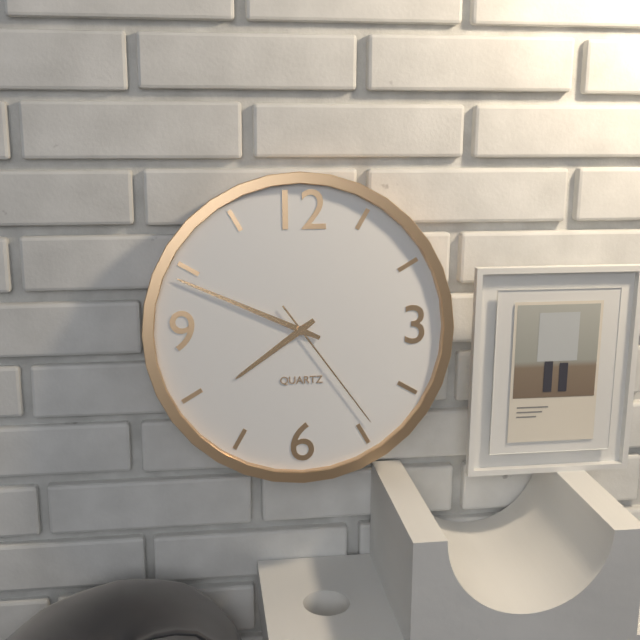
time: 7:49:24
